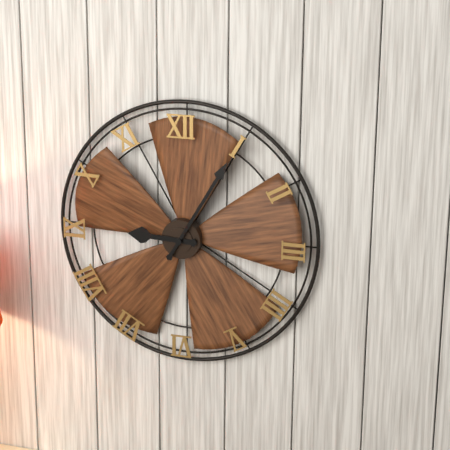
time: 9:05
